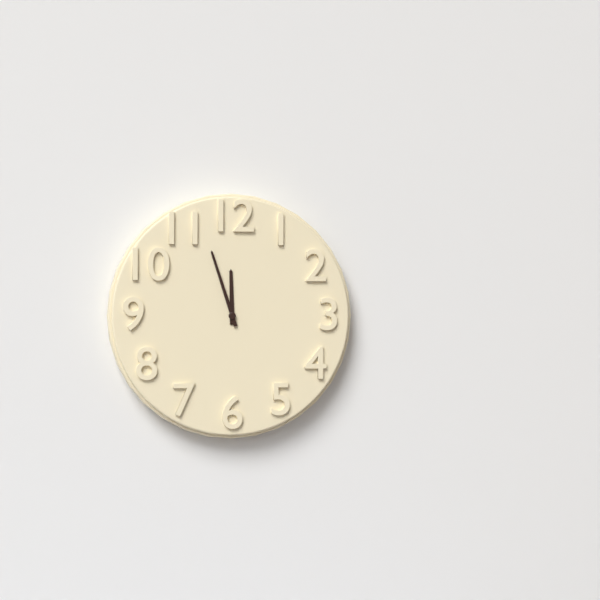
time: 11:57
